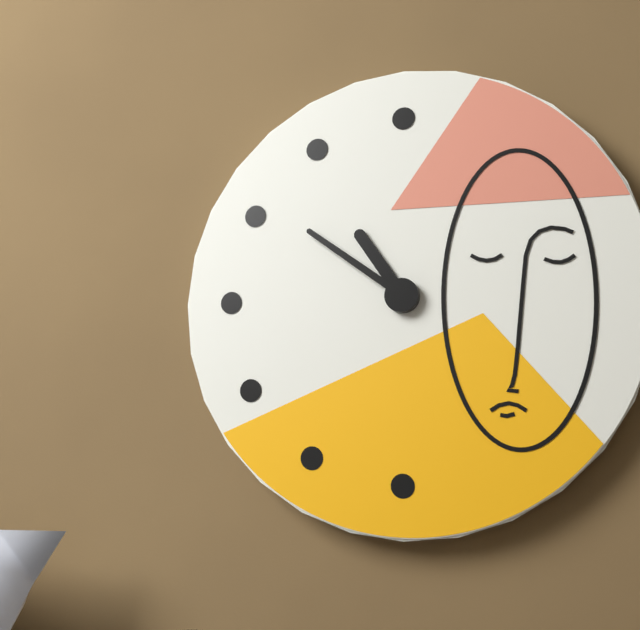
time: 10:51
